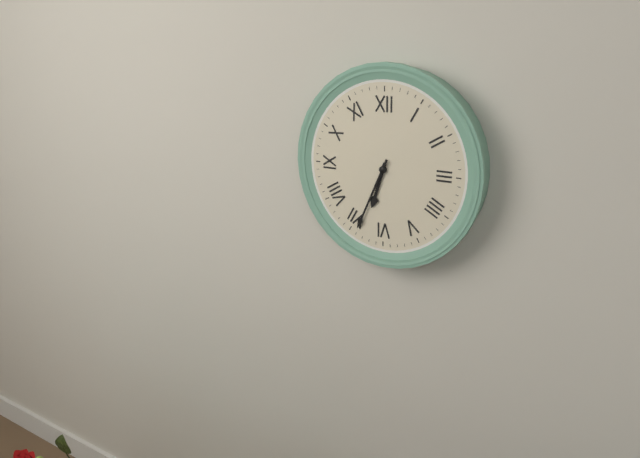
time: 6:34
